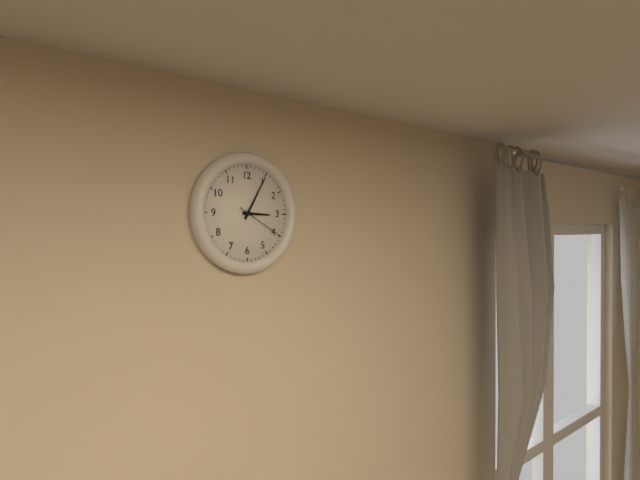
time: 3:05
